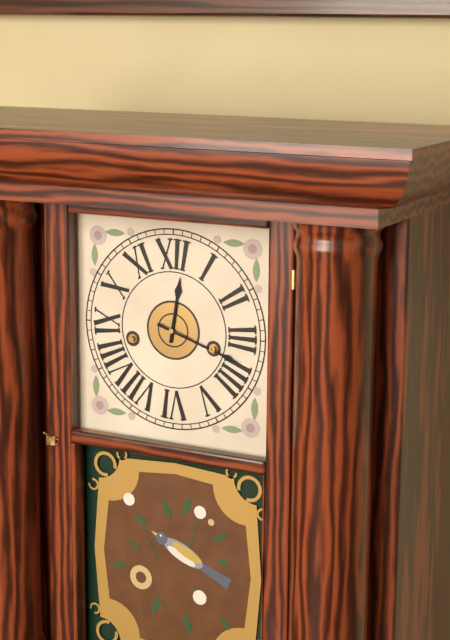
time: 12:18
